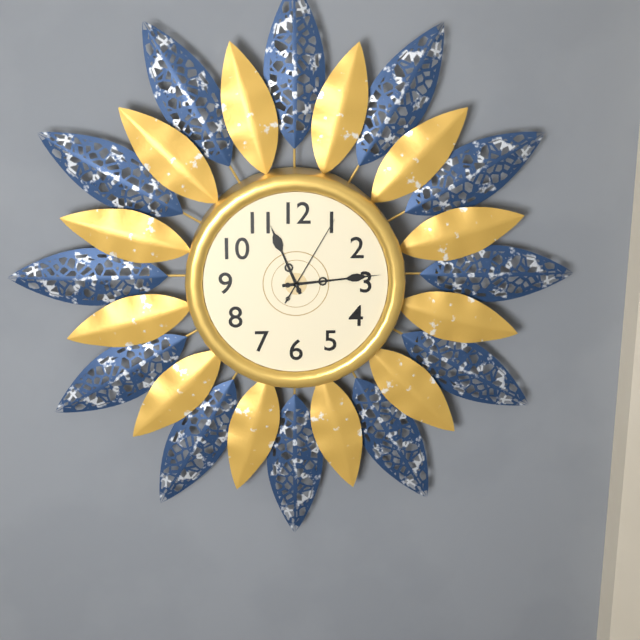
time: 11:14:05
